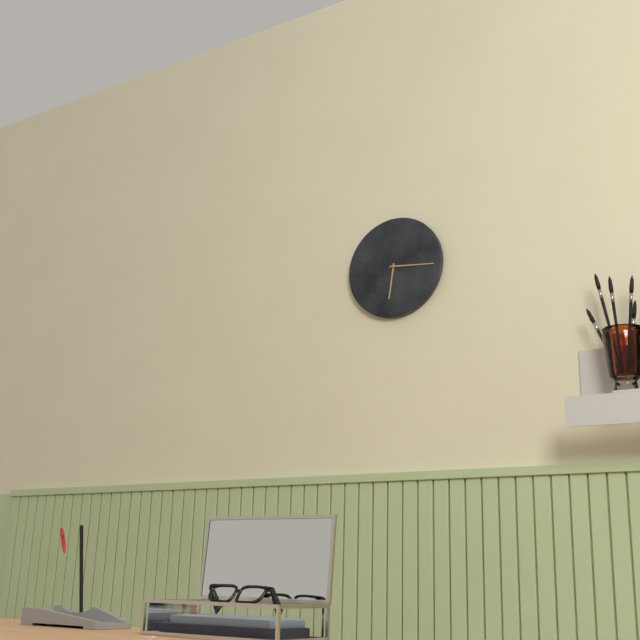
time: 6:16
